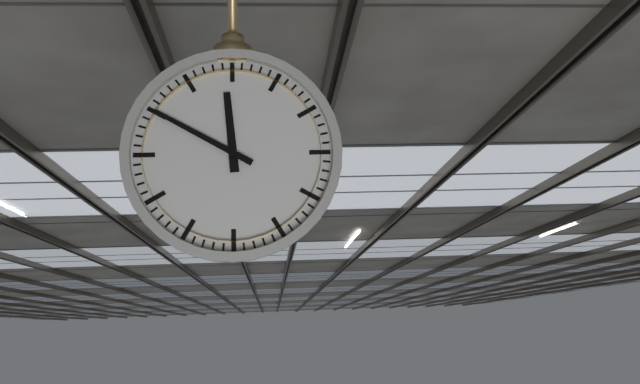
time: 11:50
